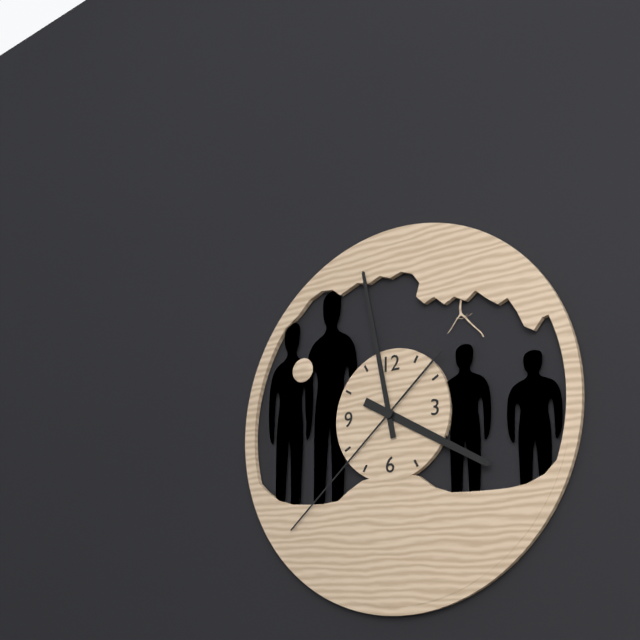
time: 3:58:38
